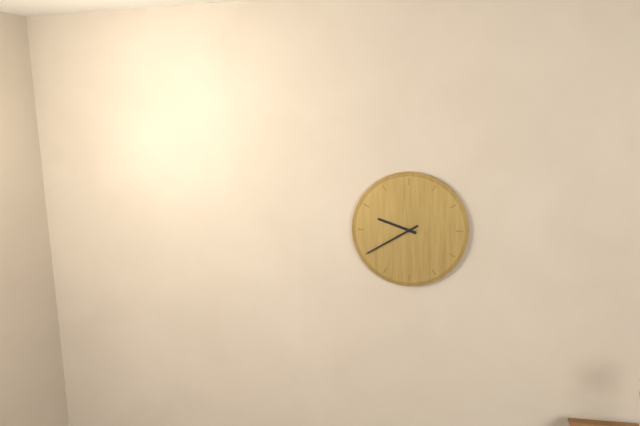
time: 9:40
